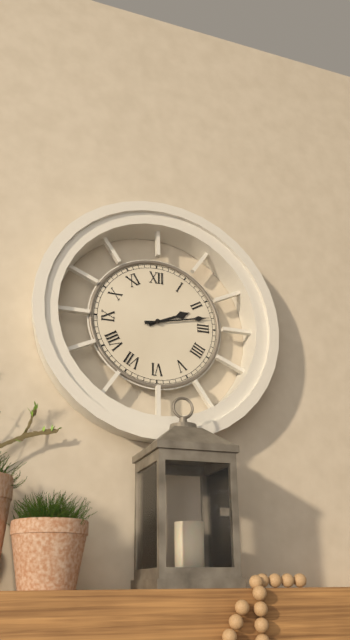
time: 2:13
